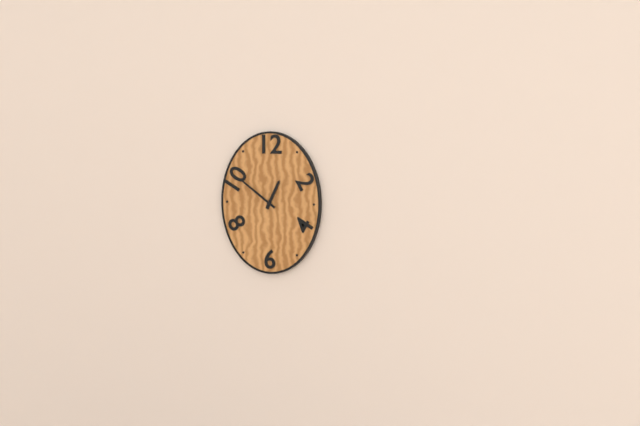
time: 12:51
